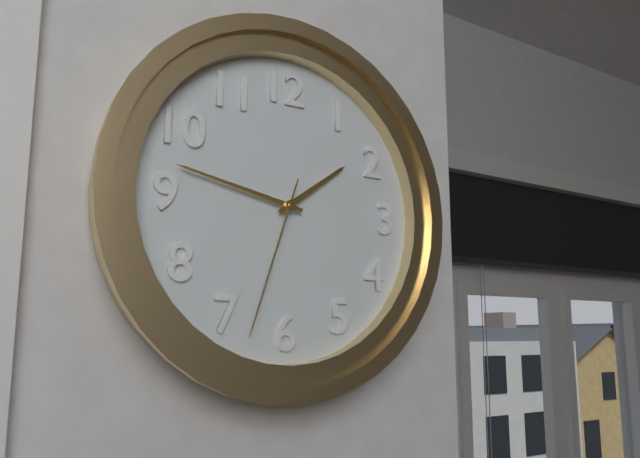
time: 1:47:33
